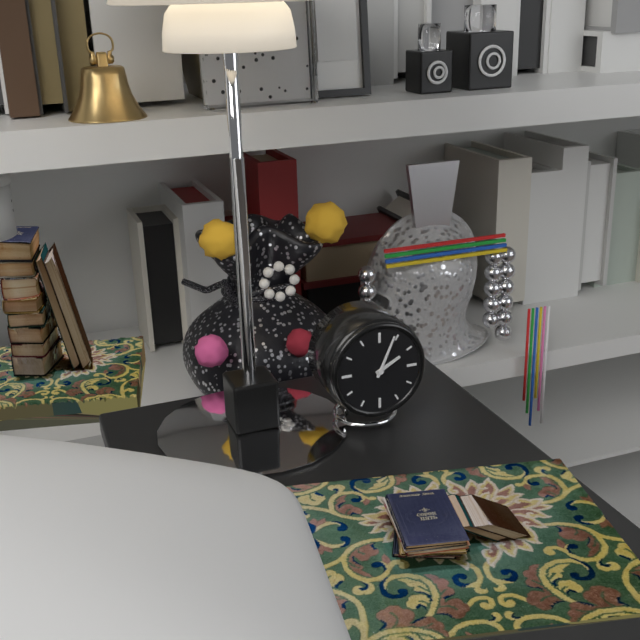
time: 2:04
